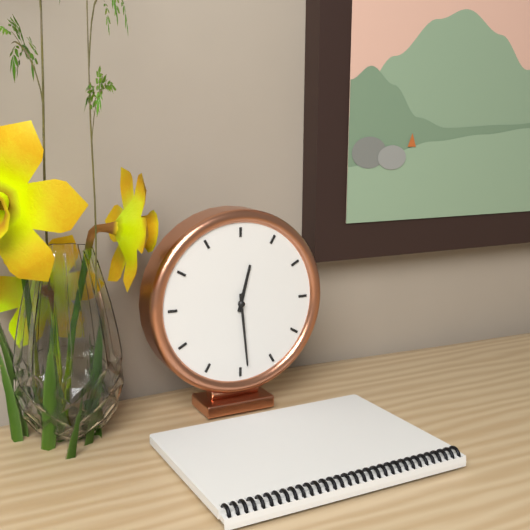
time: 12:29
